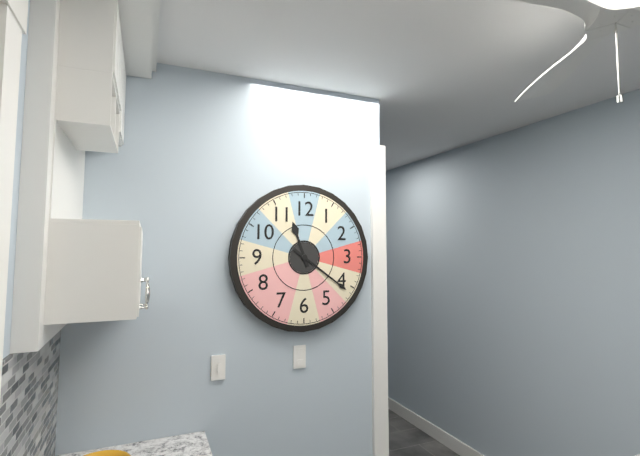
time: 11:21
